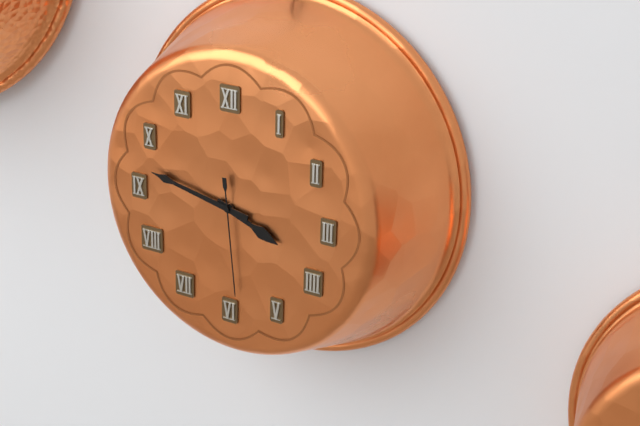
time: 3:47:29
